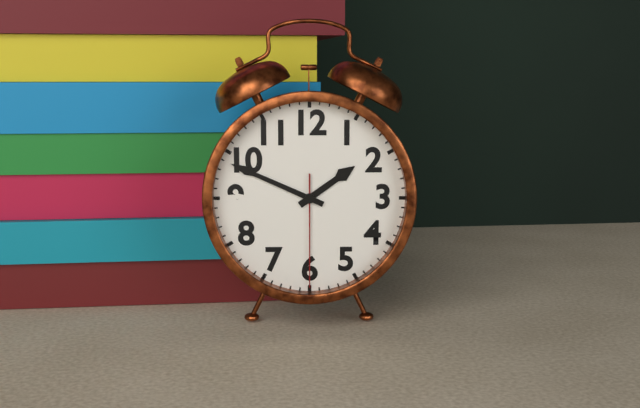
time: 1:49:30
